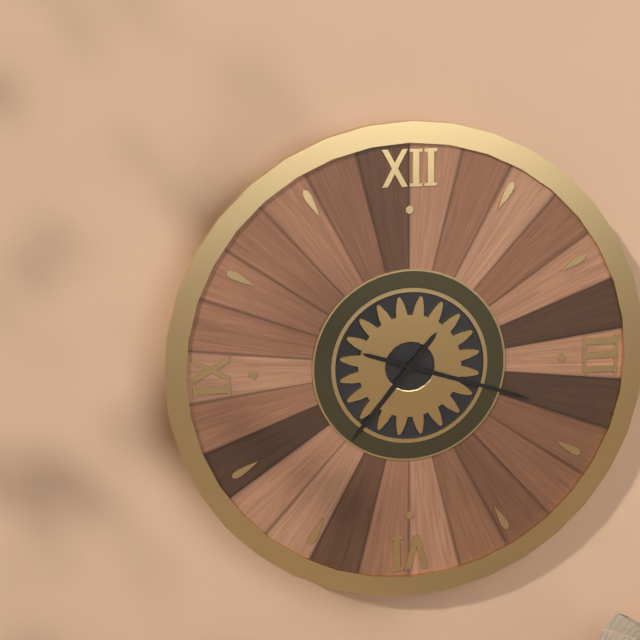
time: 7:18
